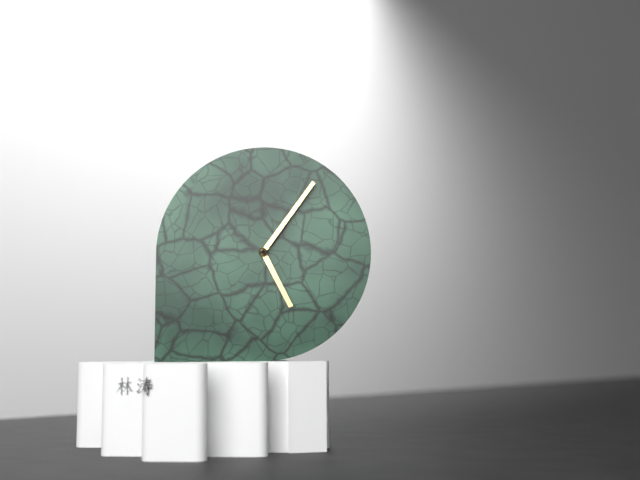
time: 5:06
